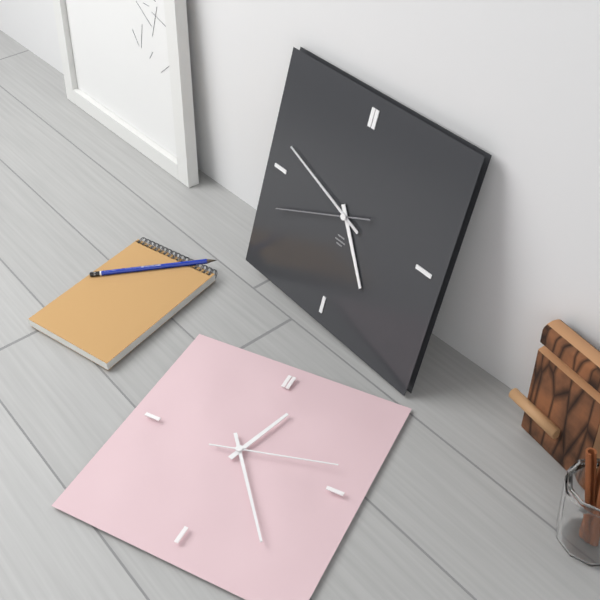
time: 4:48:41
